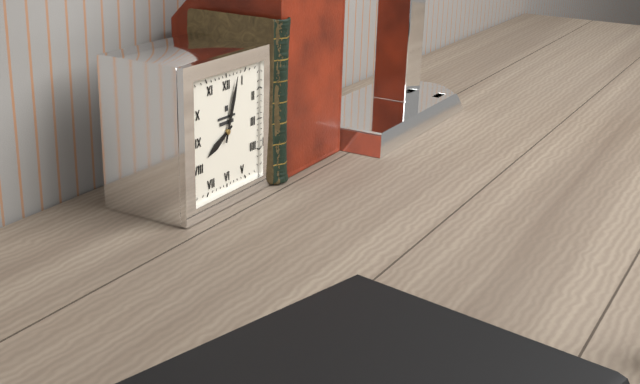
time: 8:03
